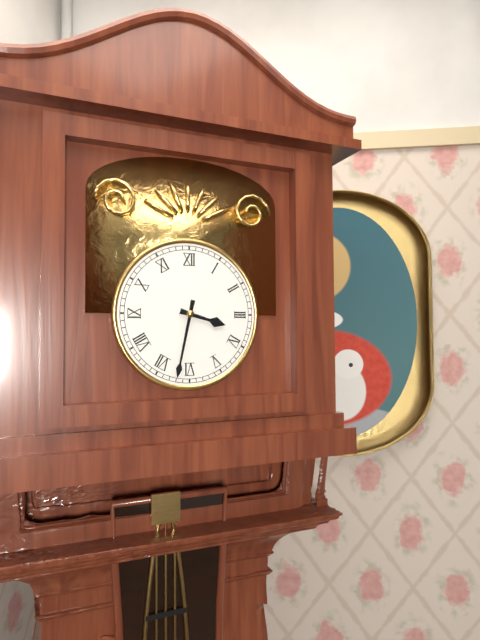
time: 3:32
